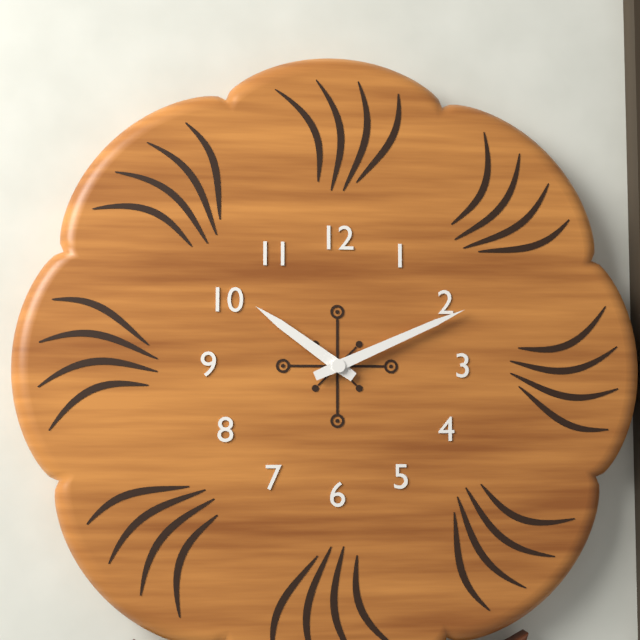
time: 10:11
